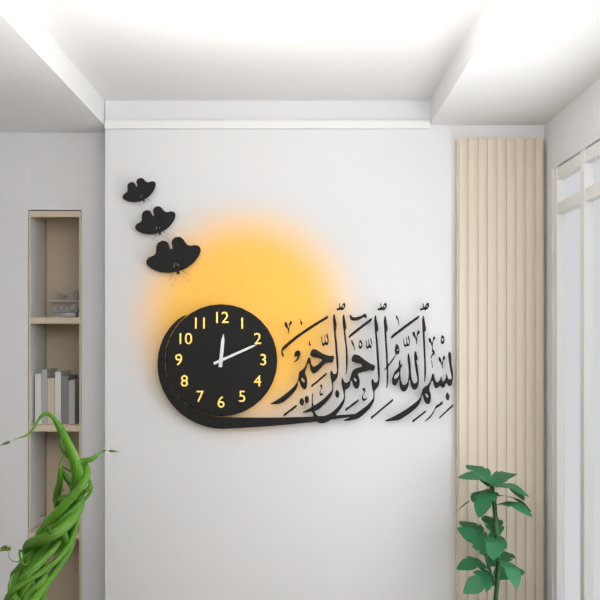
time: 12:11
